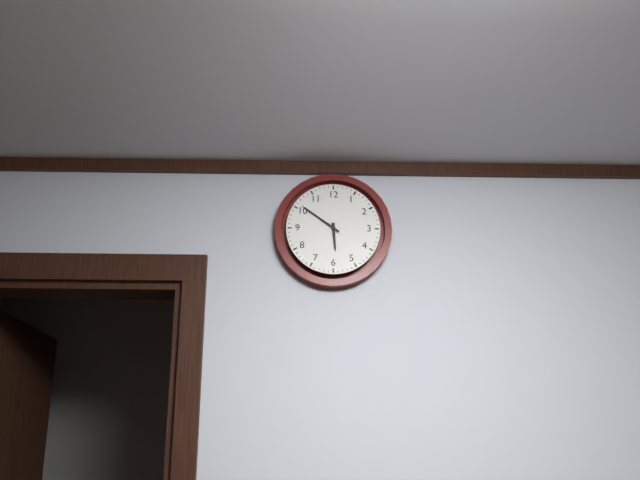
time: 5:51
